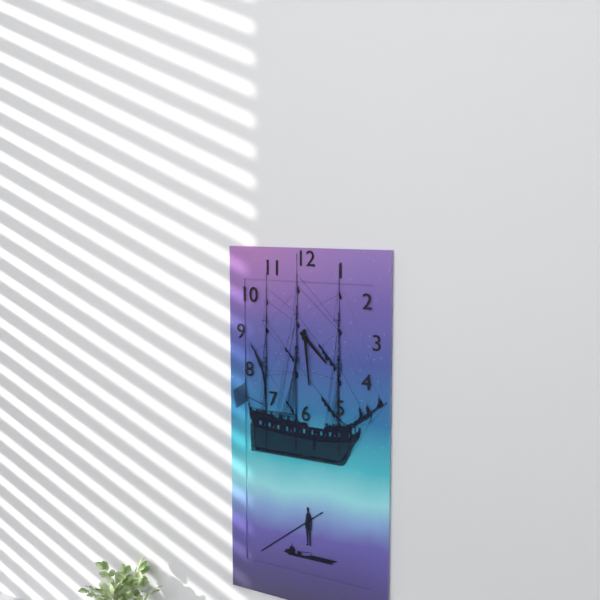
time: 4:29
